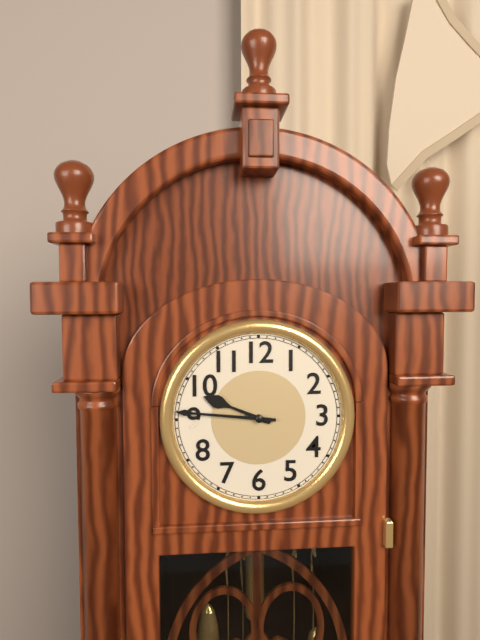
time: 9:46
